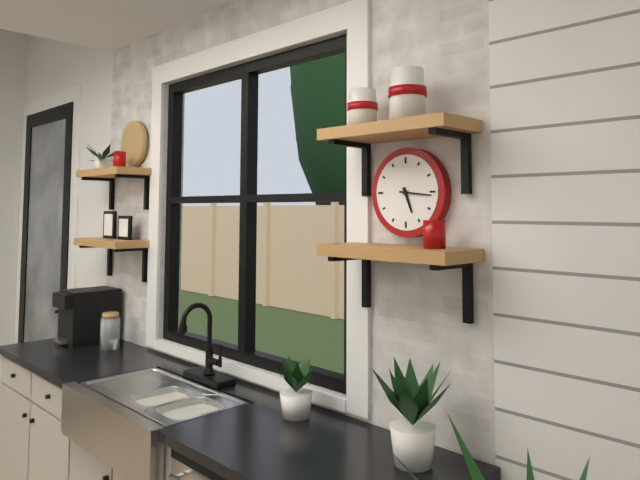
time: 5:16
